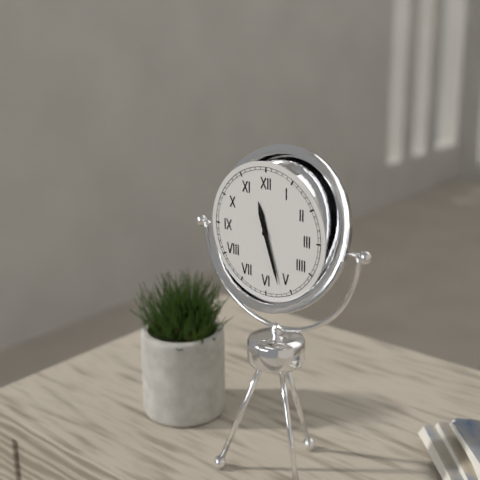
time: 11:27
